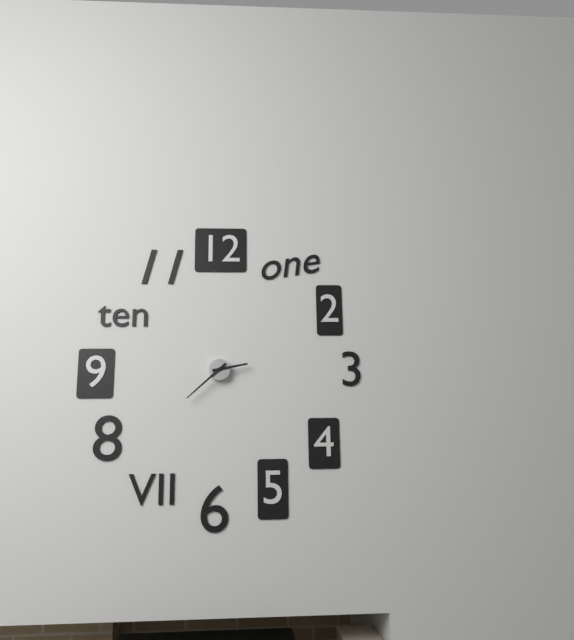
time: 2:38
